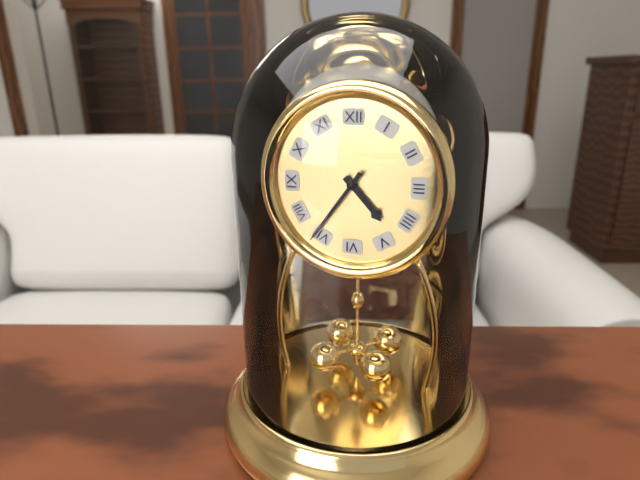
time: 4:36
